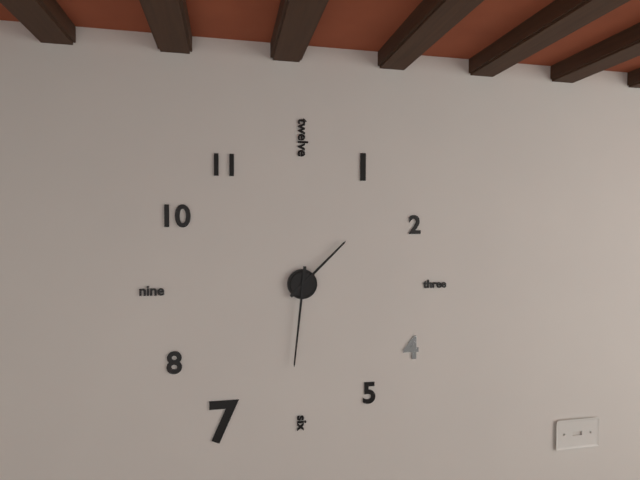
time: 1:31
